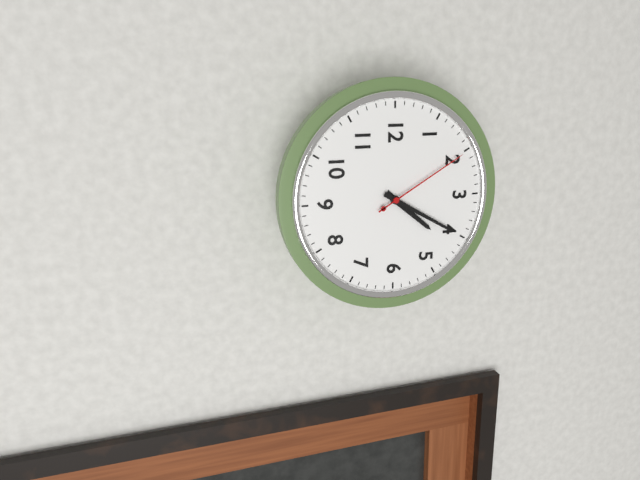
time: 4:20:10
